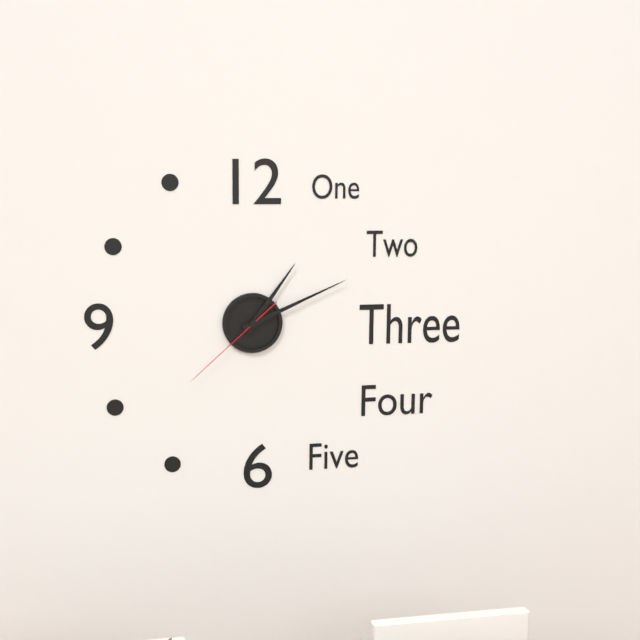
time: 1:11:38
